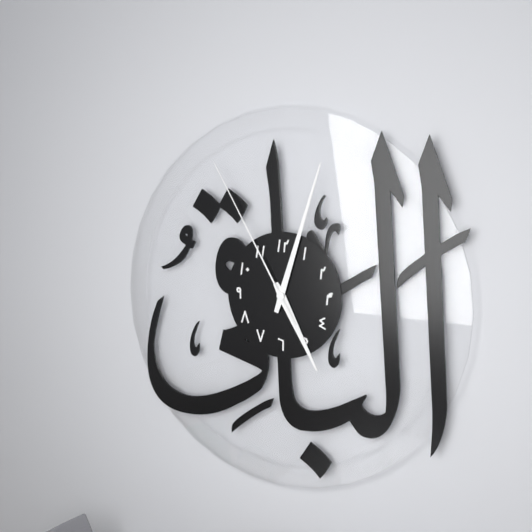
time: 5:03:55
